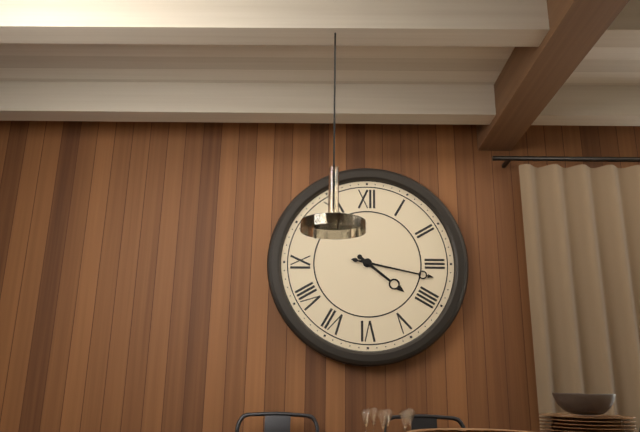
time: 4:17
